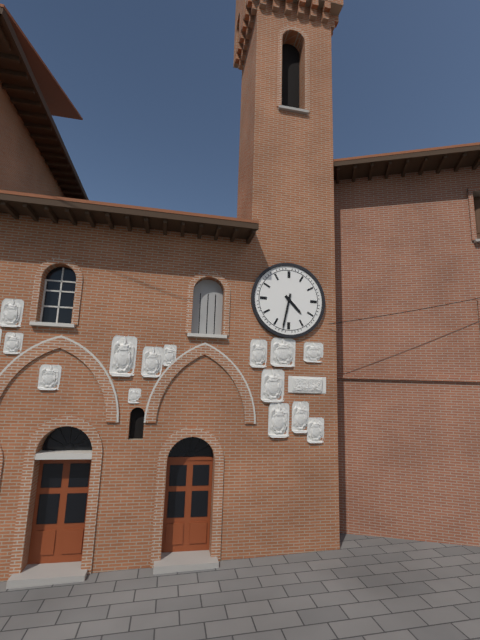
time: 4:32
